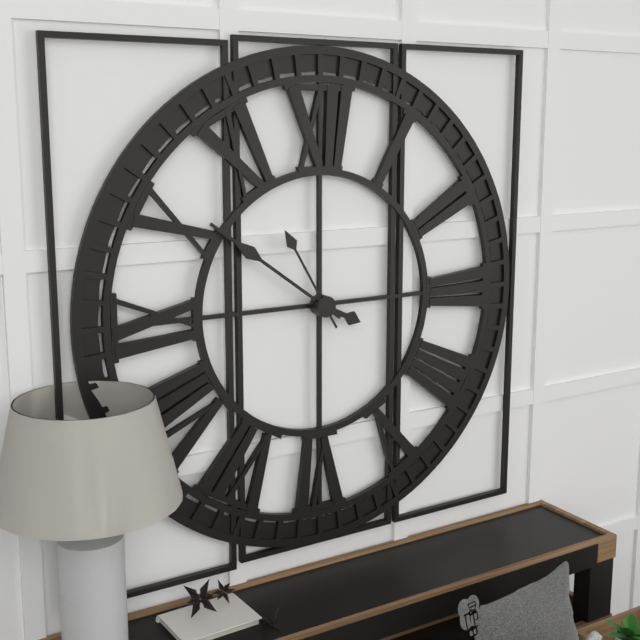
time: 3:51:55
